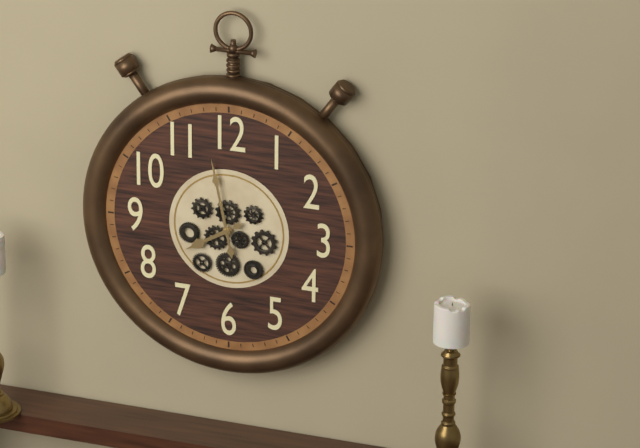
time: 7:58
